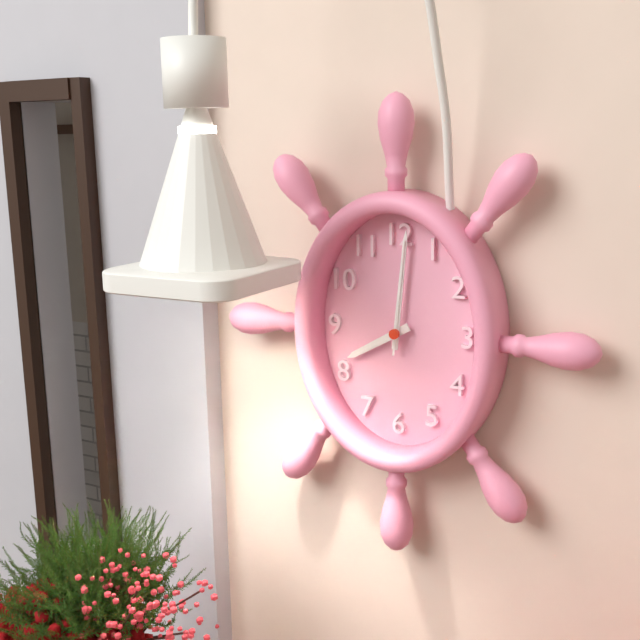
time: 8:01:01
